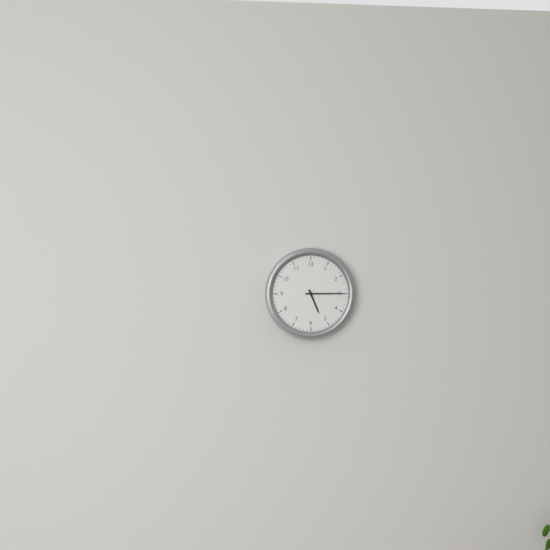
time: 5:15
